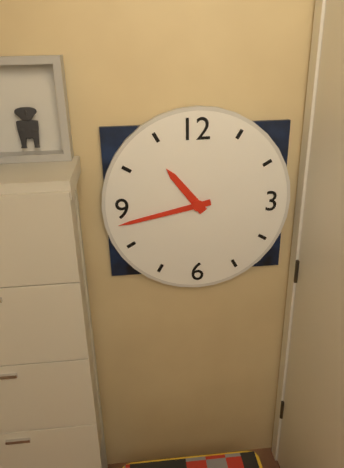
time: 10:43
